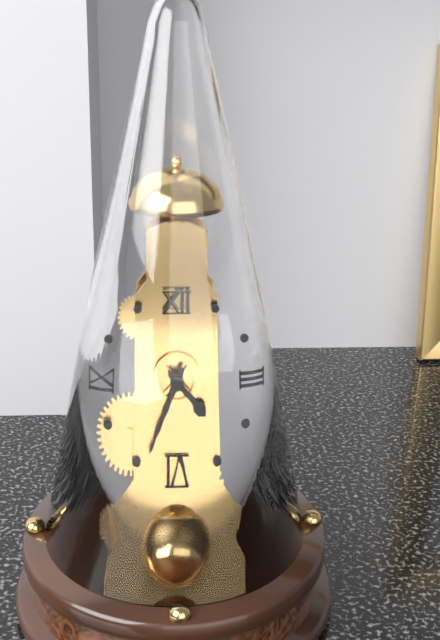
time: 4:34
